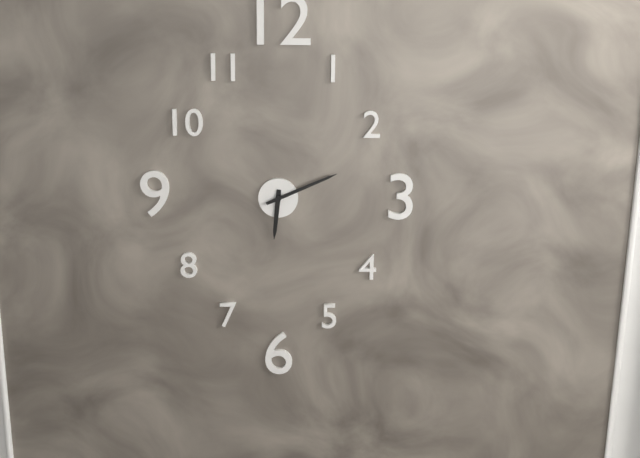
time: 6:11
